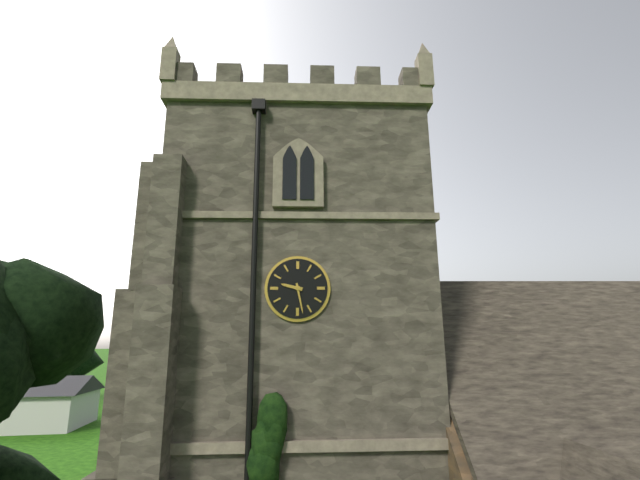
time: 9:28
